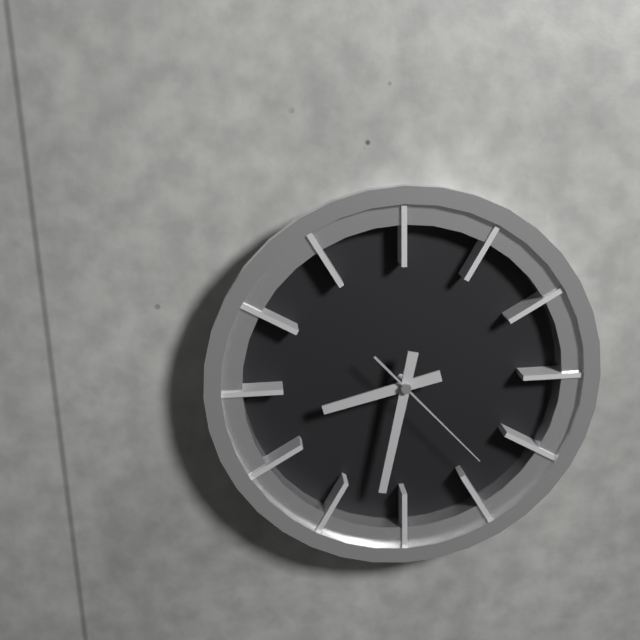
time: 8:32:23
